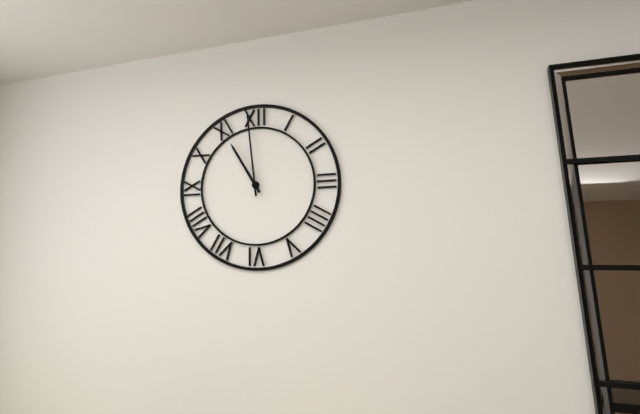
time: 10:59
